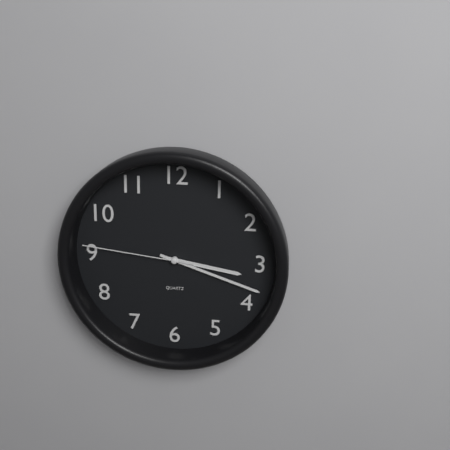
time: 3:18:46
